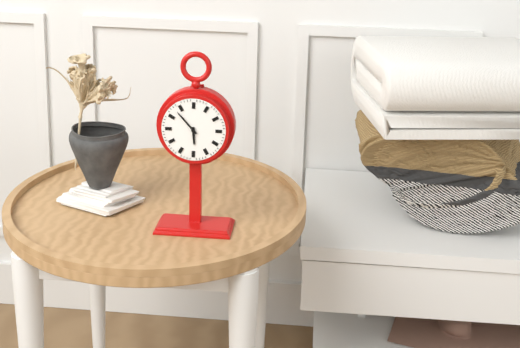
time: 5:53
